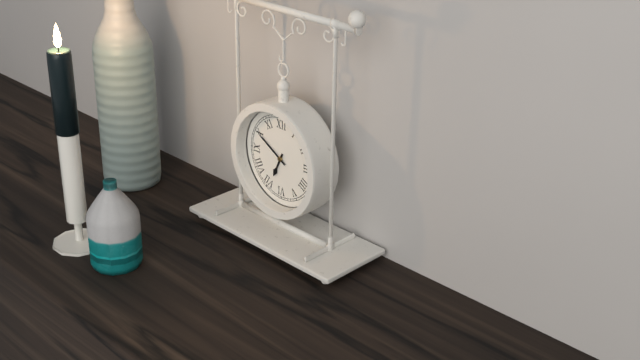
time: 6:50
